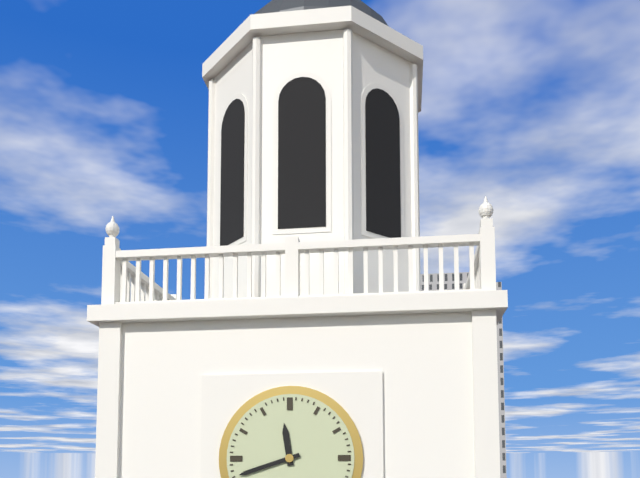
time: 11:42
